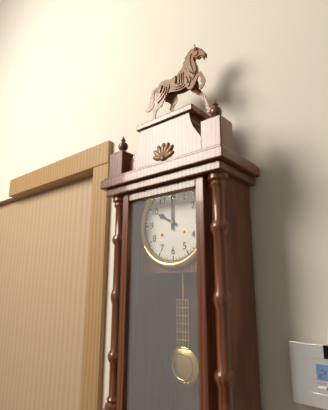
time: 10:00
